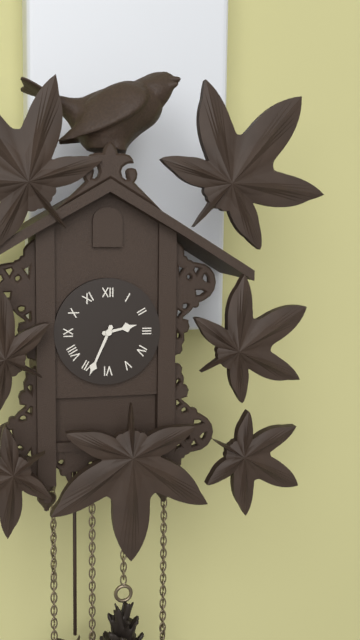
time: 2:34
